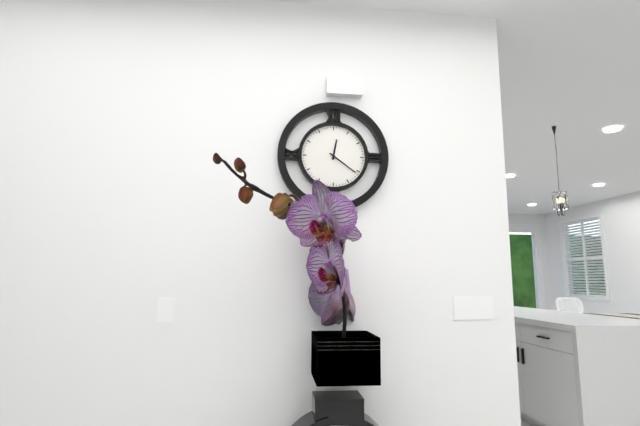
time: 12:21
